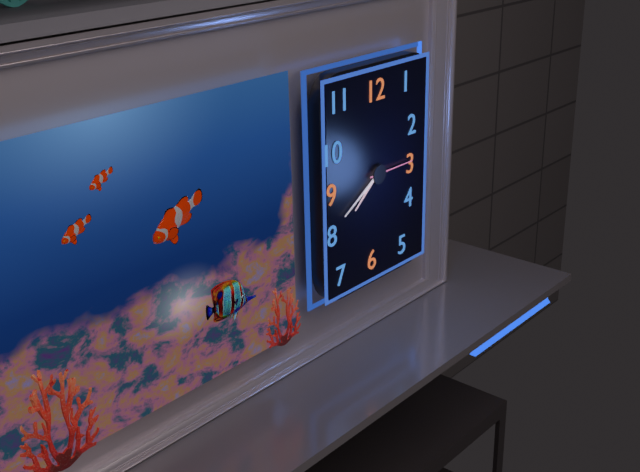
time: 7:40
